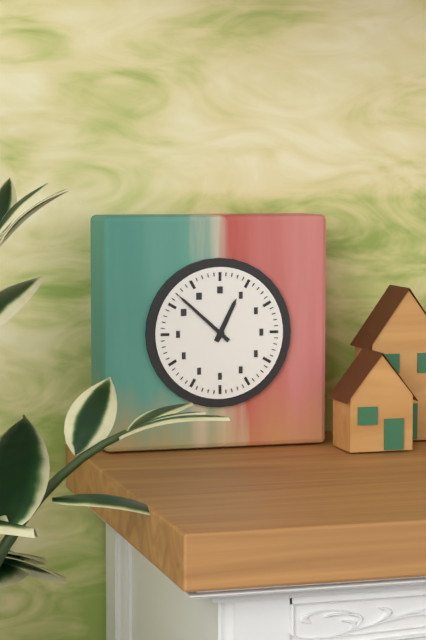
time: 12:52
